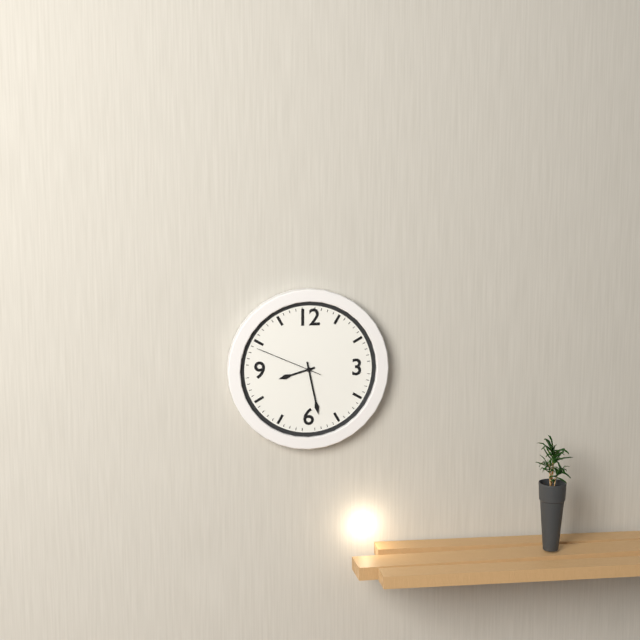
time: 8:28:49
